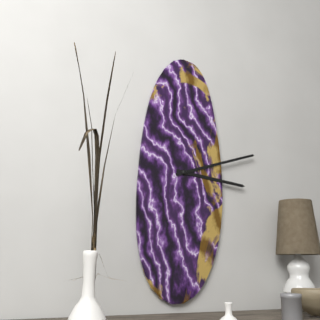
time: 3:12
